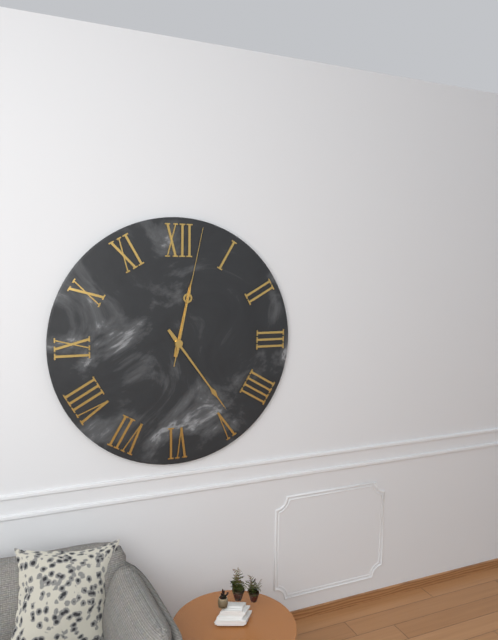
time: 12:24:02
